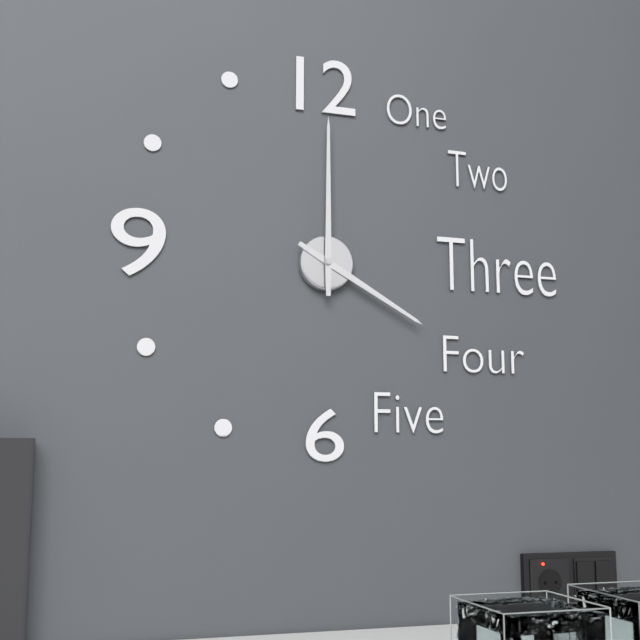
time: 4:00
